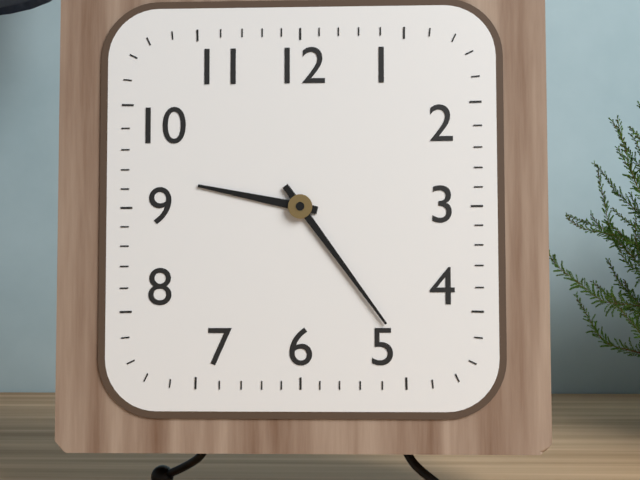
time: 9:24
